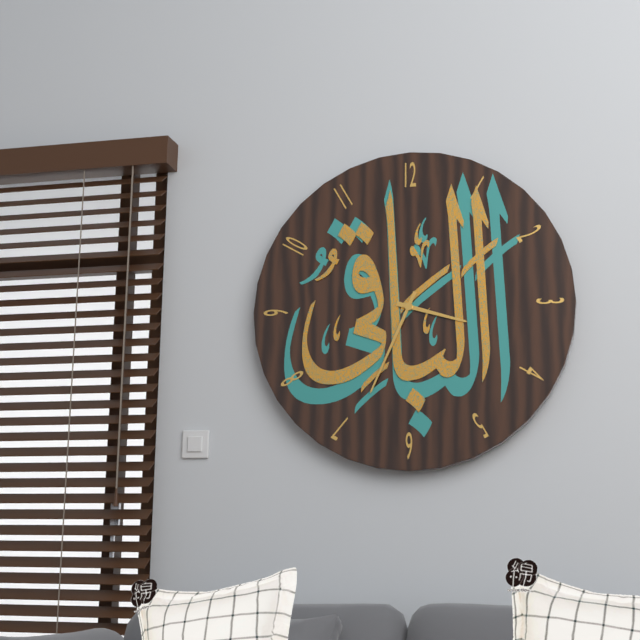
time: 3:34
